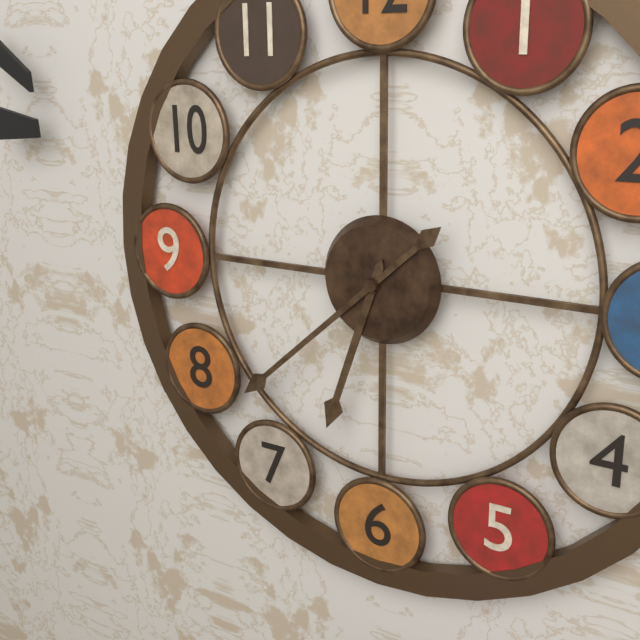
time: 6:38
